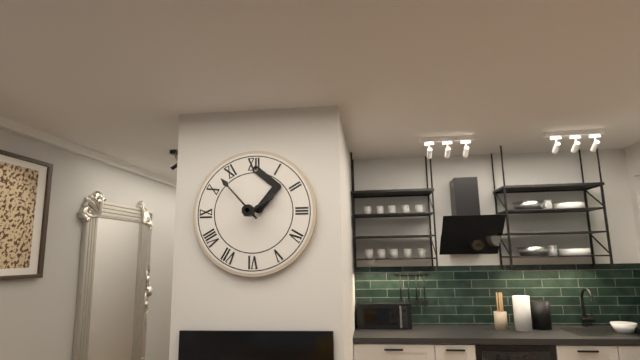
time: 1:53
